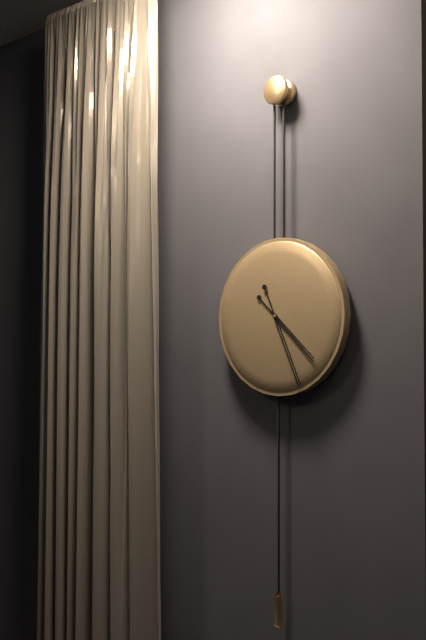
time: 4:26
